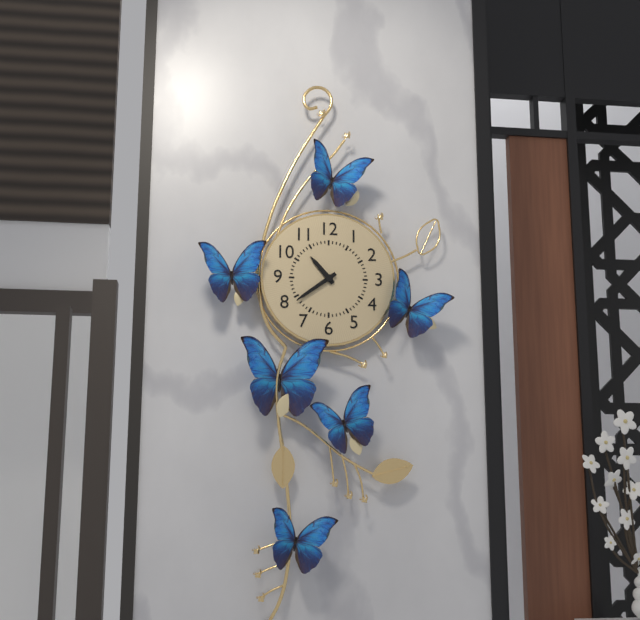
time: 10:39
